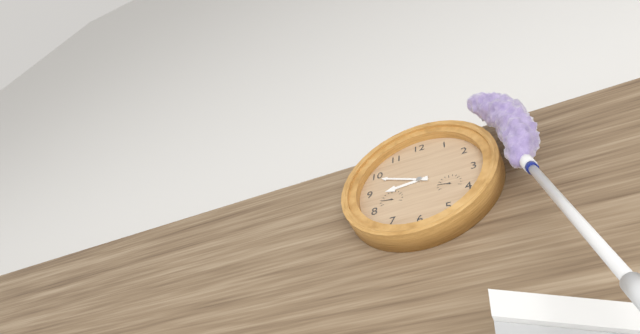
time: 8:49
